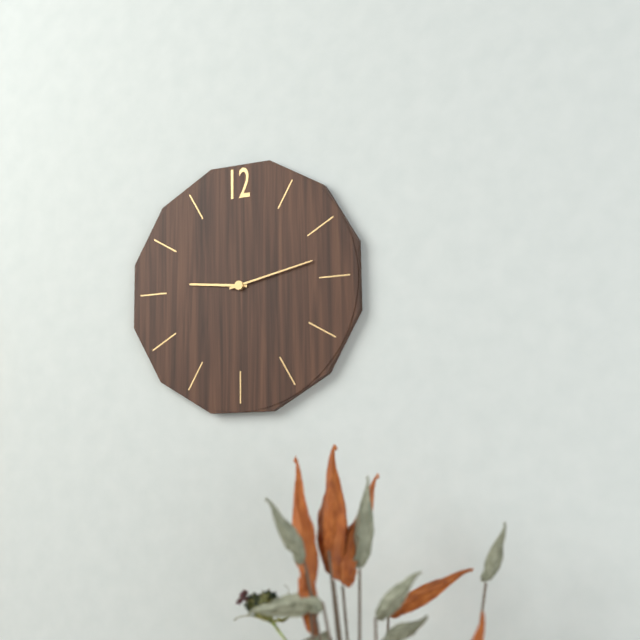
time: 9:13
